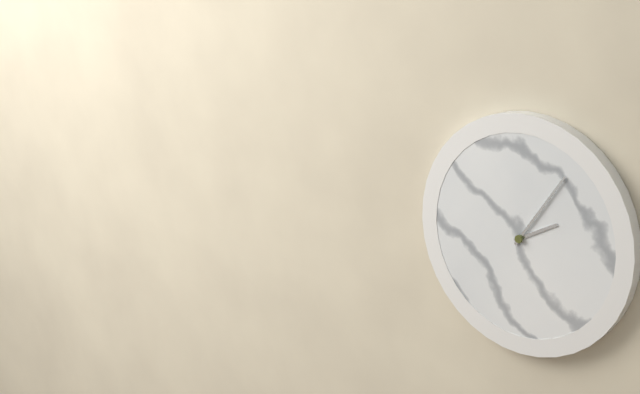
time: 2:06
